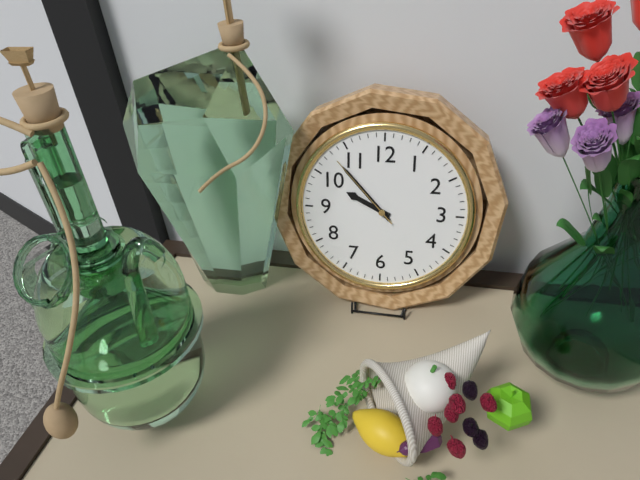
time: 9:53:53
